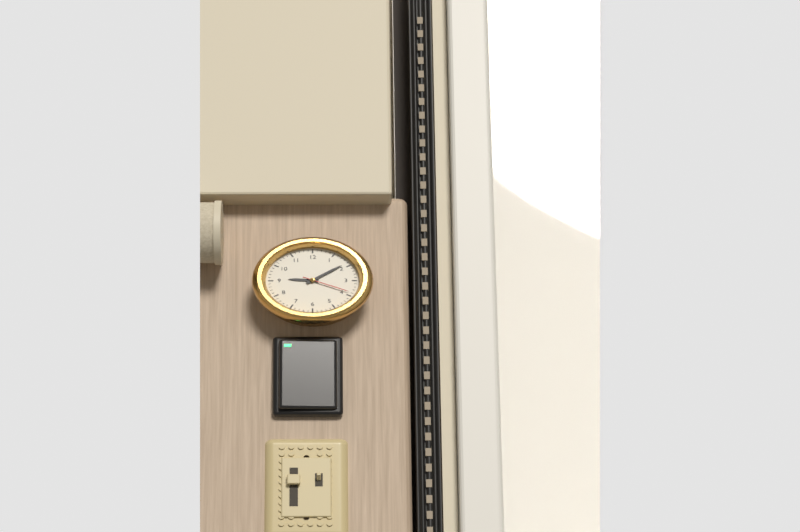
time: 9:09
